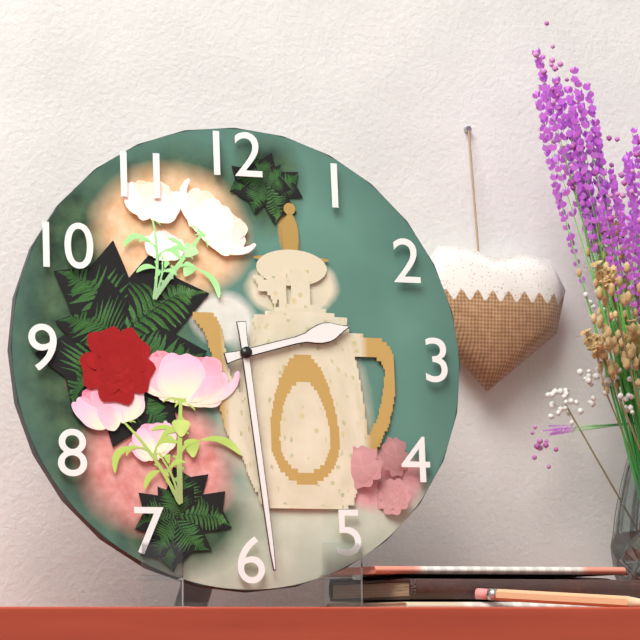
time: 2:29
